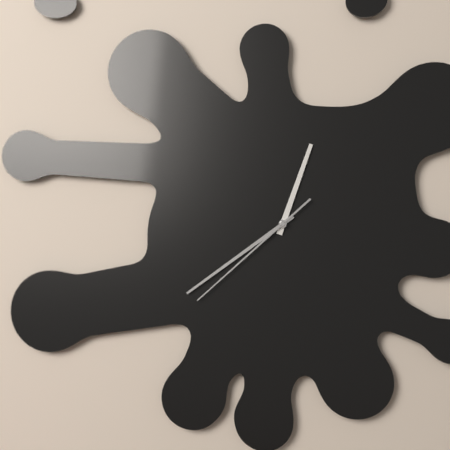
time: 12:39:38
